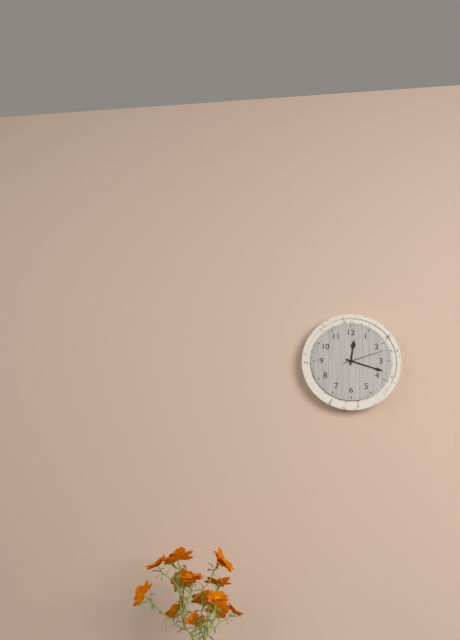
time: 12:18
